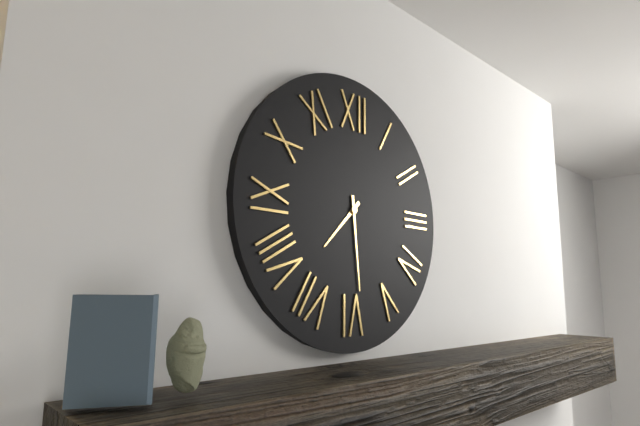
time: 7:29
